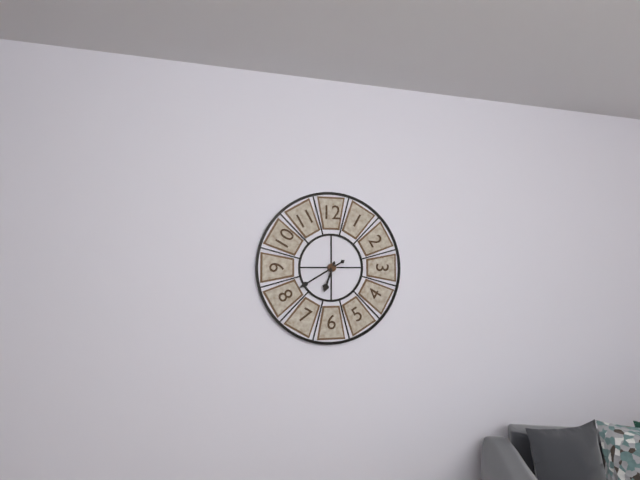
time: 6:40
